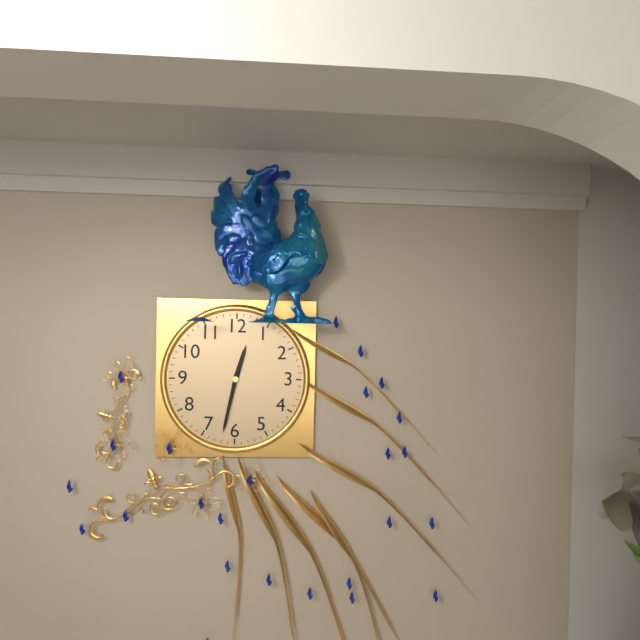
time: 12:32
